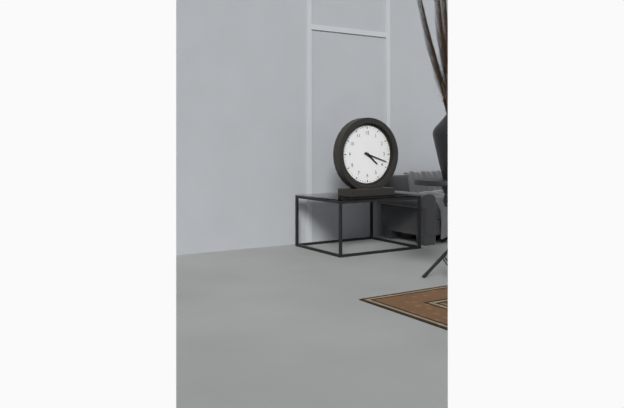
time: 4:18
